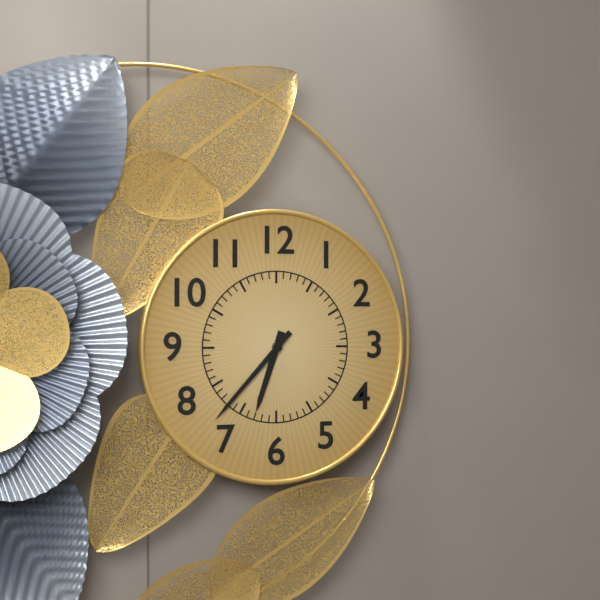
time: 6:37
